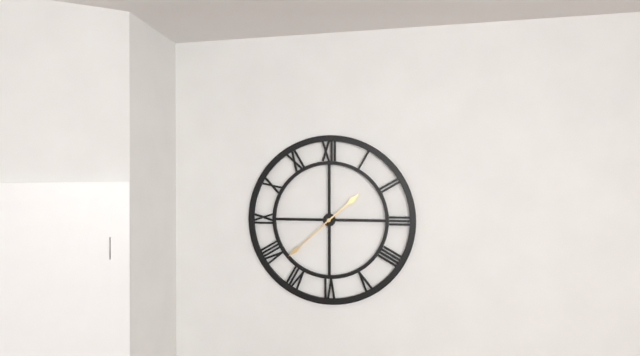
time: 1:38
